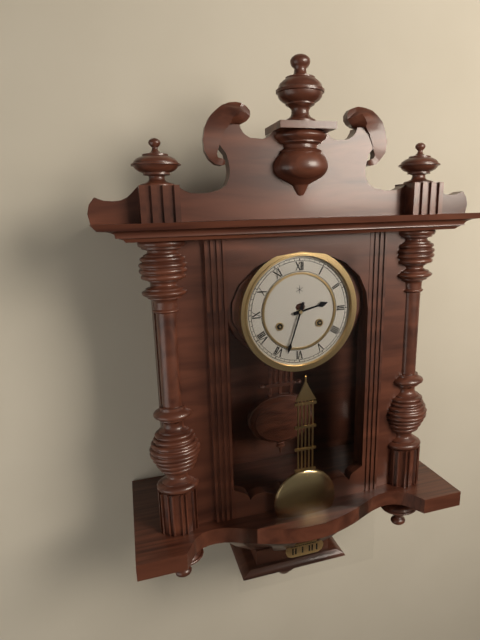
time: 2:33
